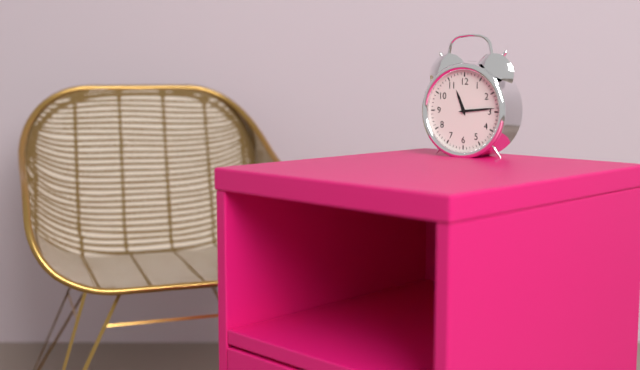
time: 11:14
